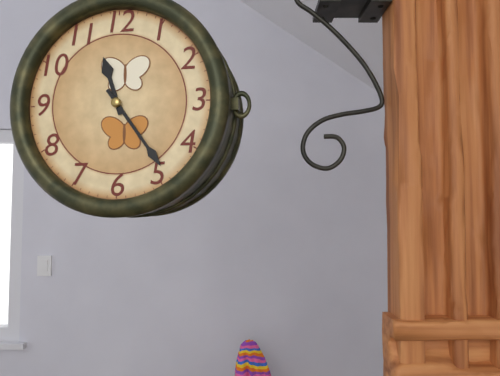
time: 11:24
